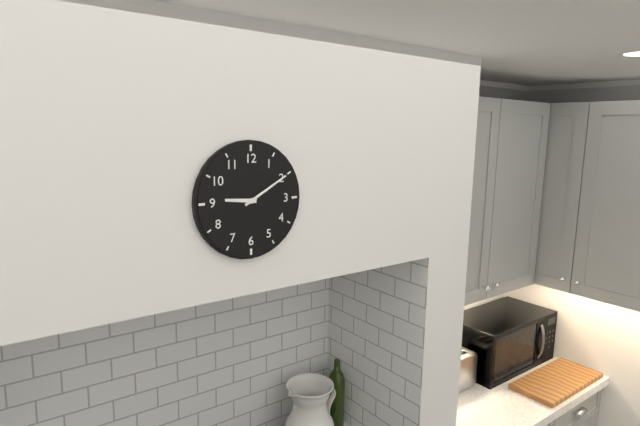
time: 9:10
